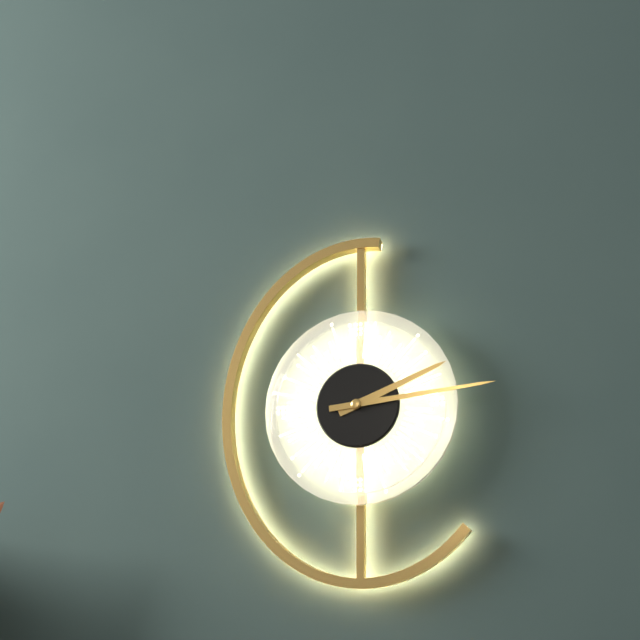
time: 2:14
